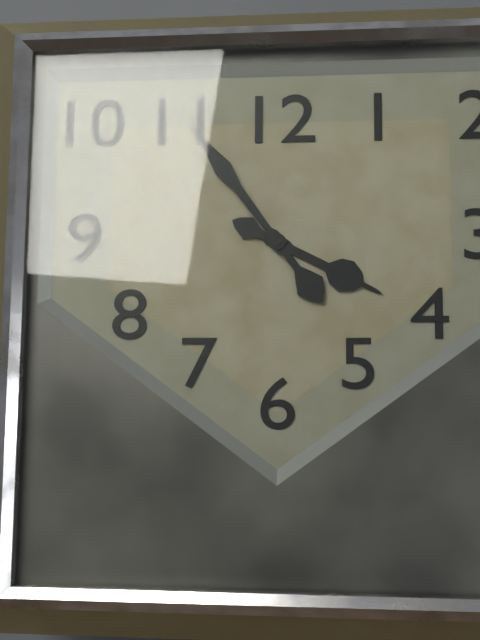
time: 3:54
